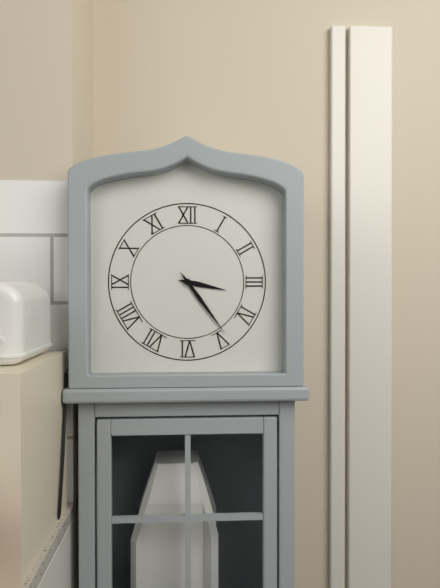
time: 3:24
